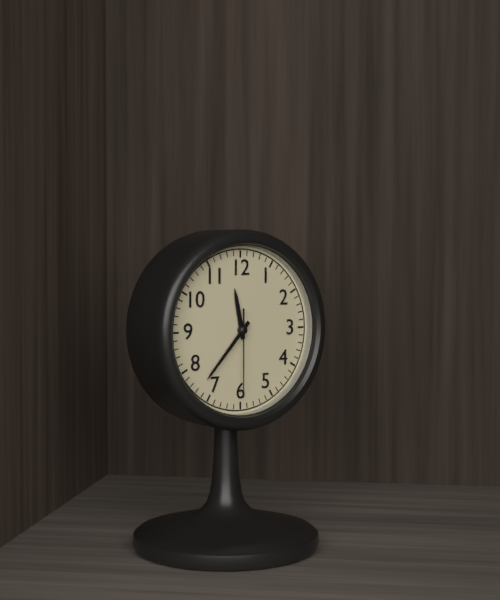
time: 11:37:30
